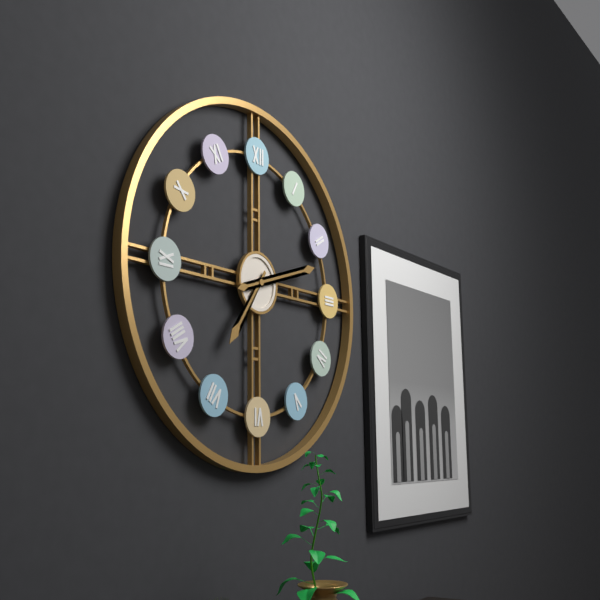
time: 7:12
